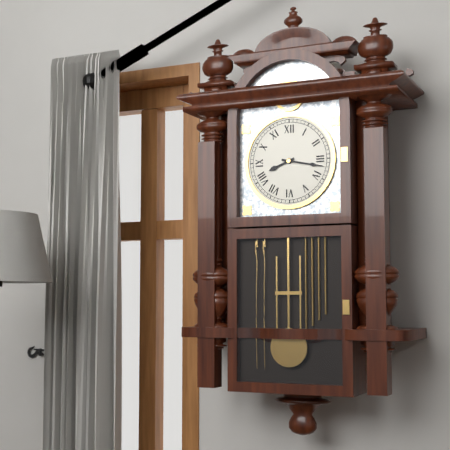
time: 8:17
